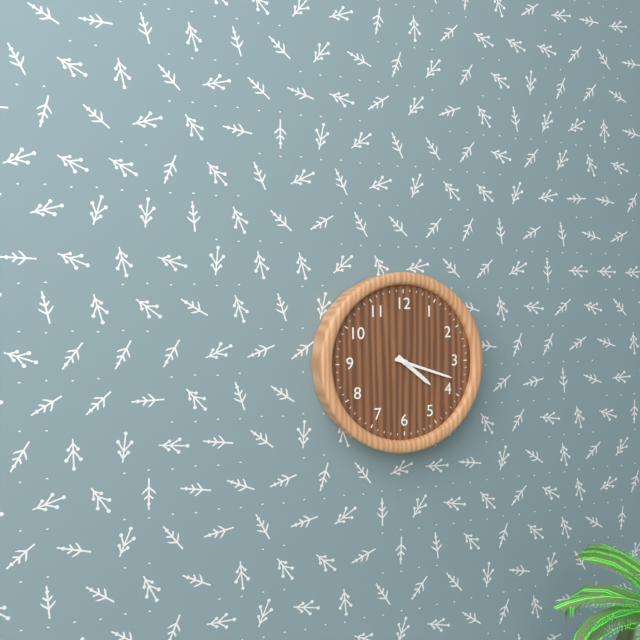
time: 4:18
